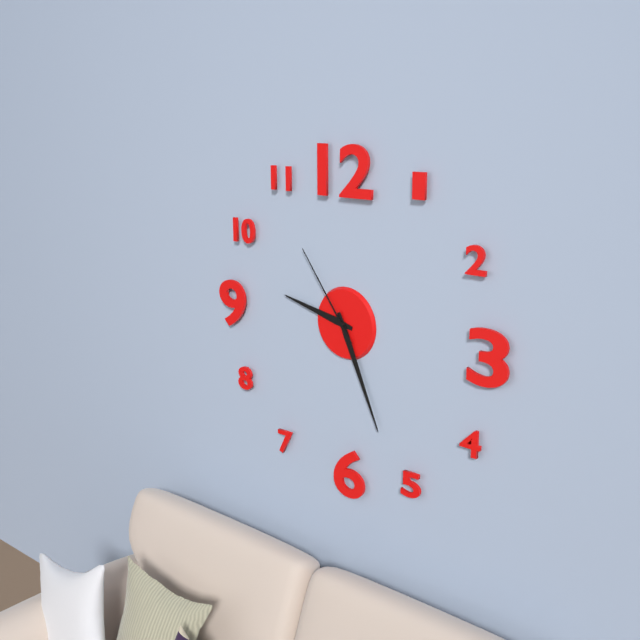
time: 9:26:54
